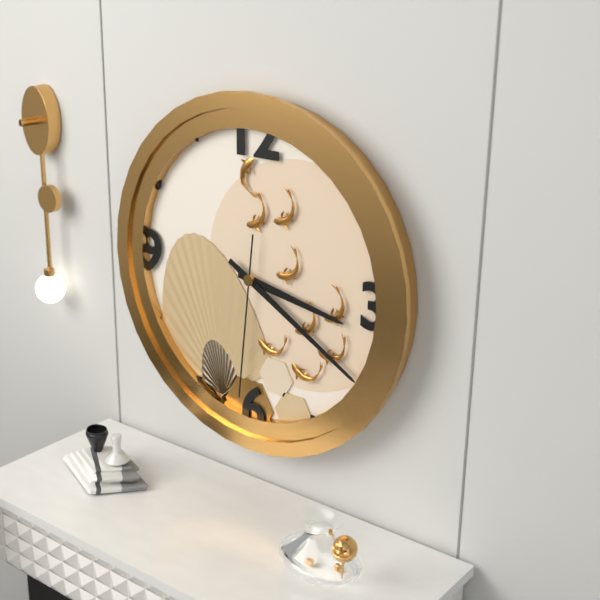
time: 3:20:31
